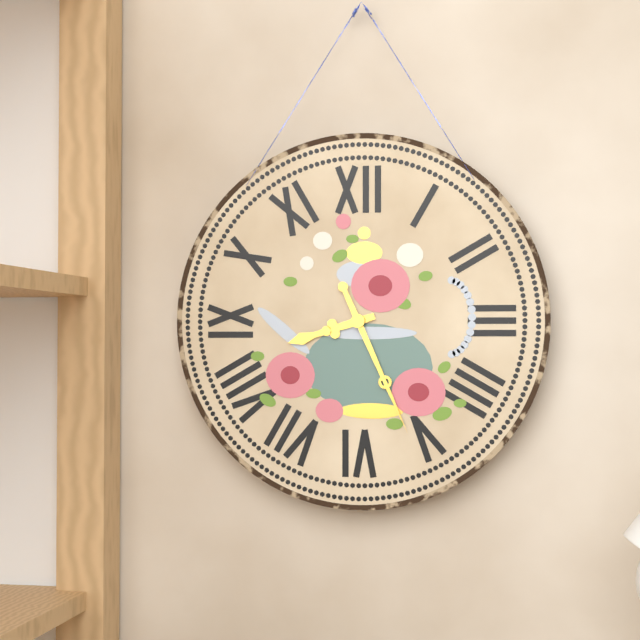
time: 8:26
